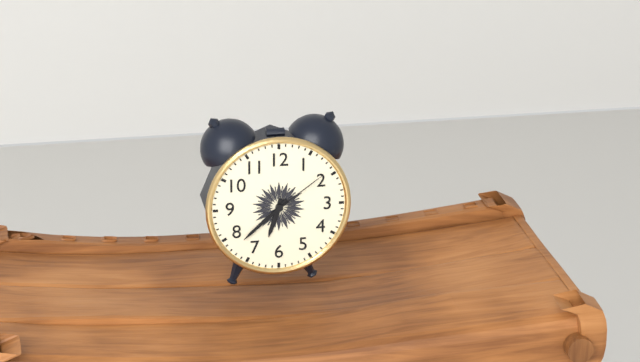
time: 6:38:09
